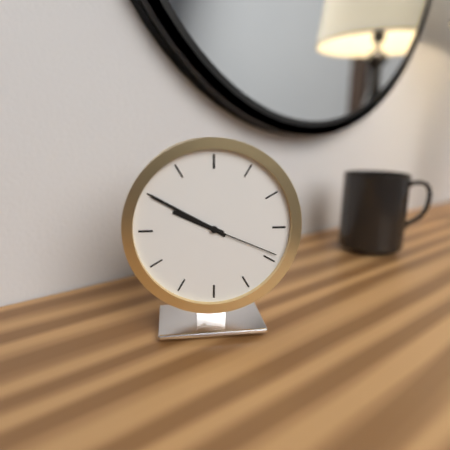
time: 9:50:19
